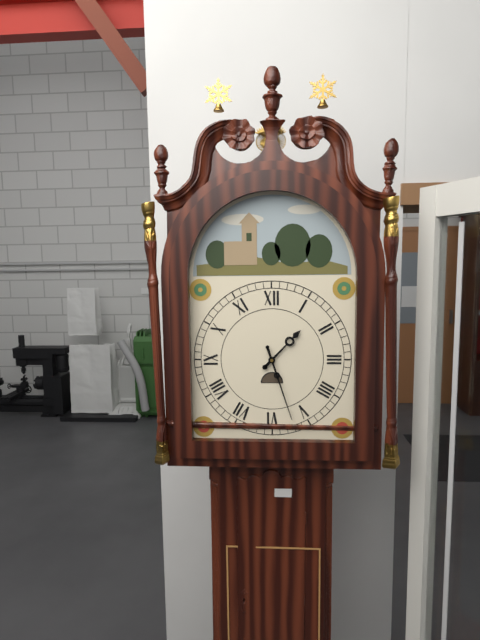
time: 1:27
